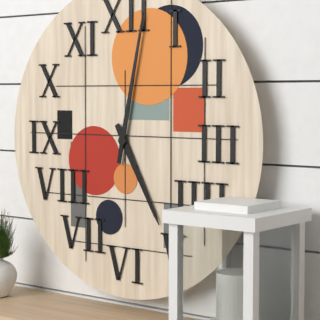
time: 5:02
